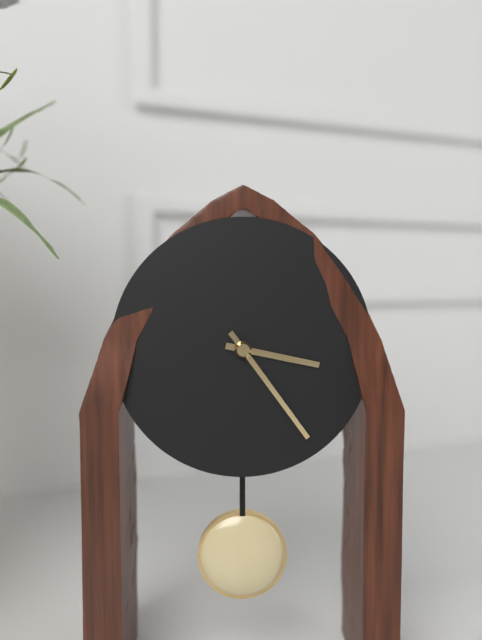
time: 3:24
